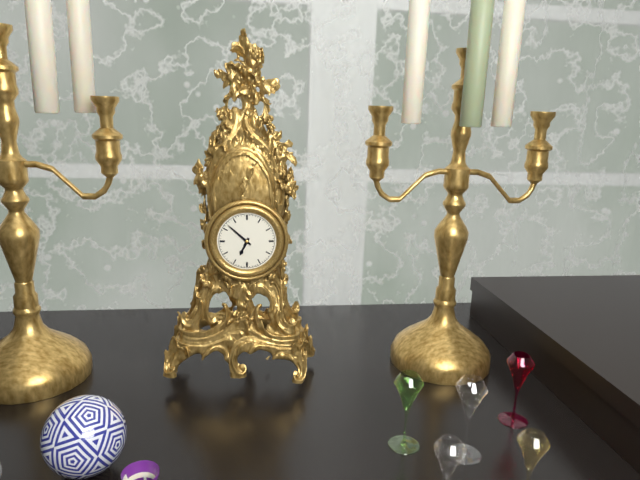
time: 6:52
